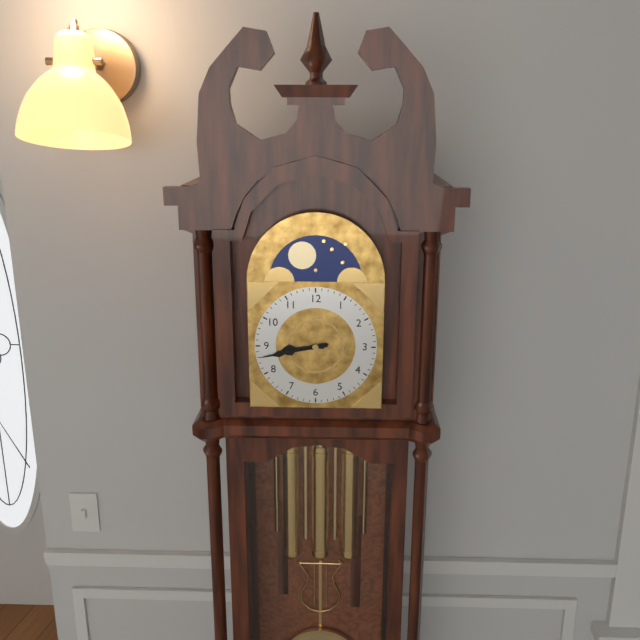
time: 8:43
